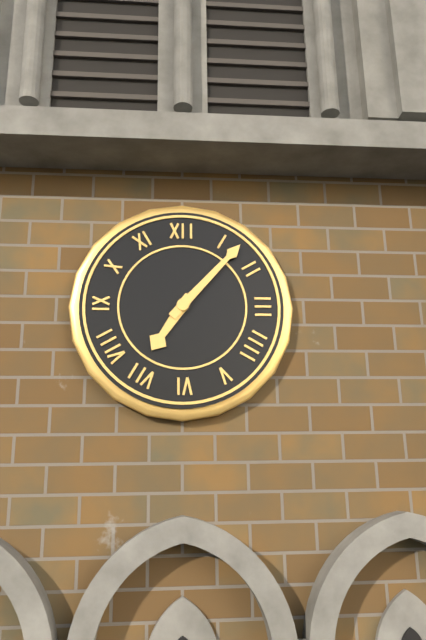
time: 7:07
